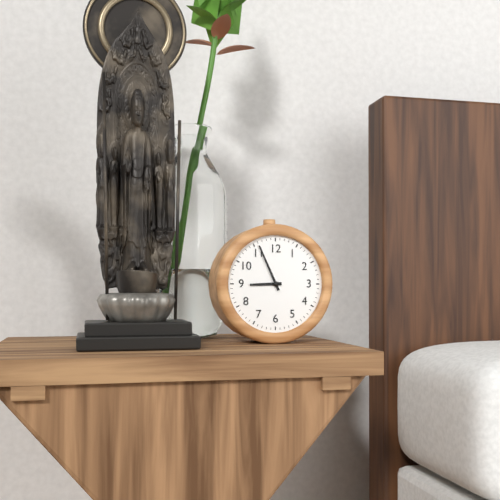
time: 8:56
